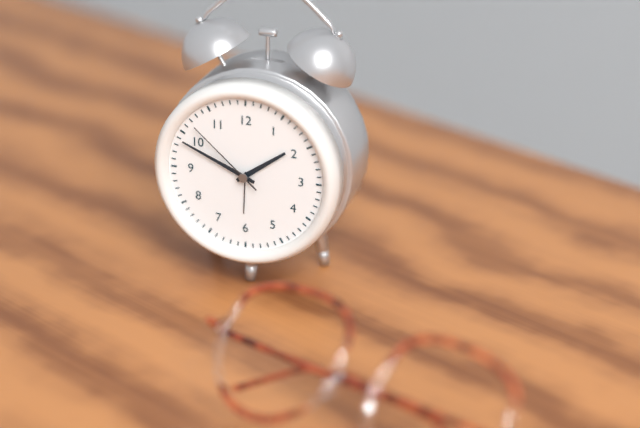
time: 1:49:52
